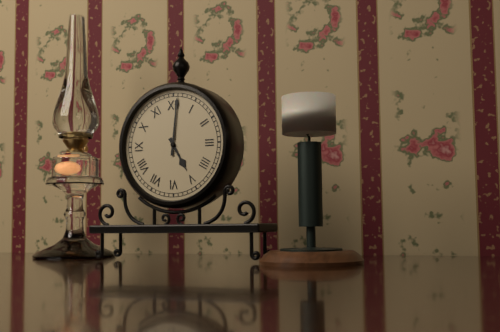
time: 5:01
